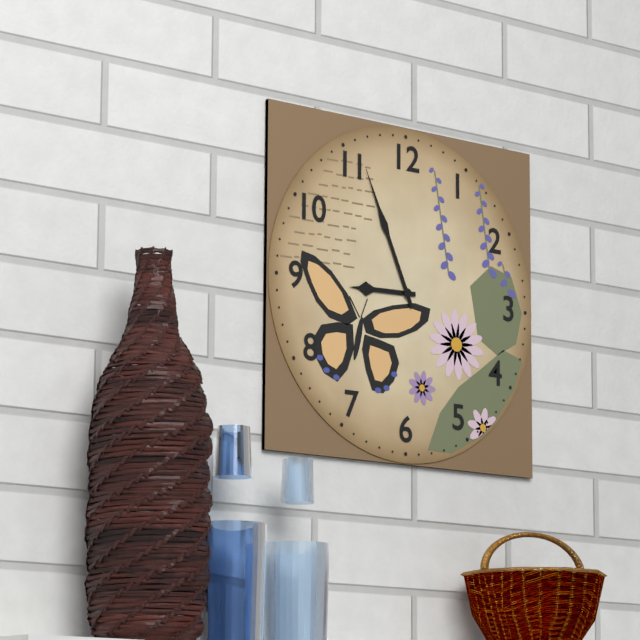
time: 8:56
